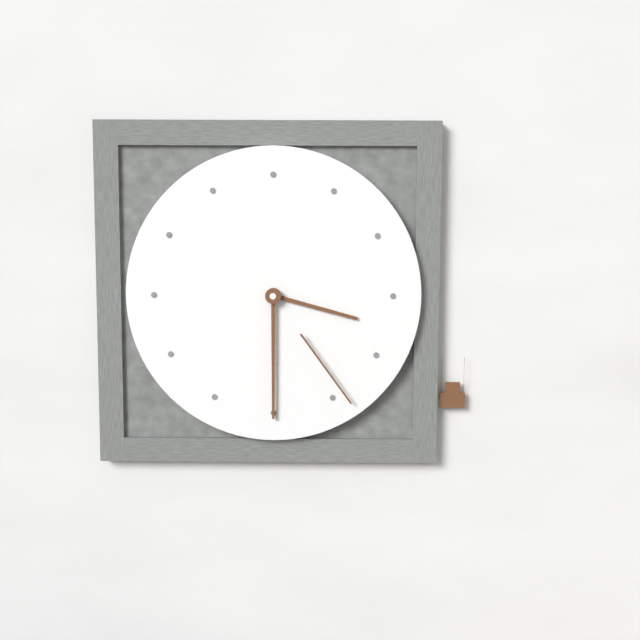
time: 3:30:24
